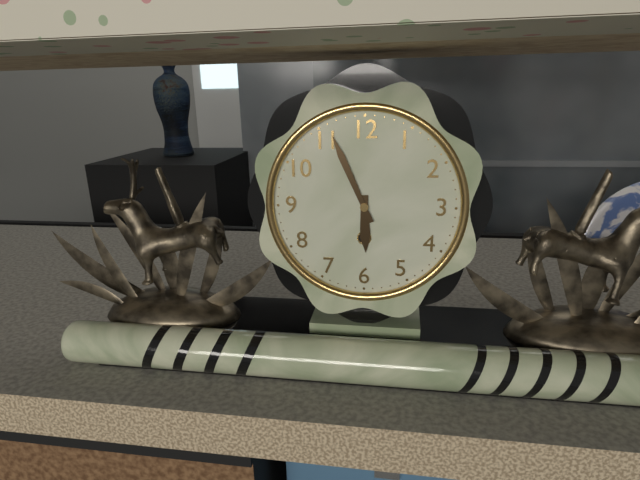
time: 5:56
